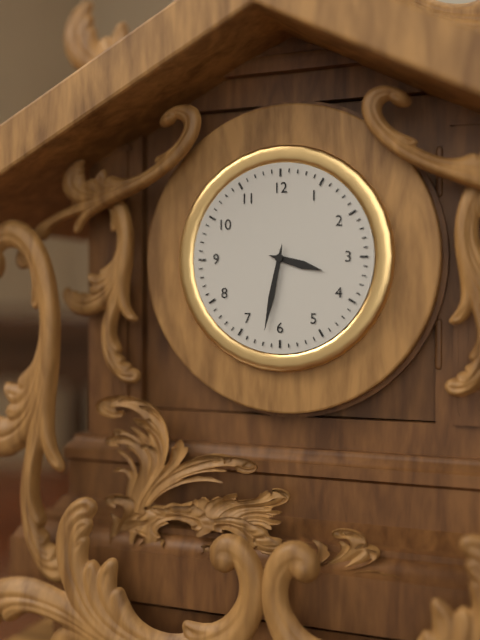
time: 3:32
